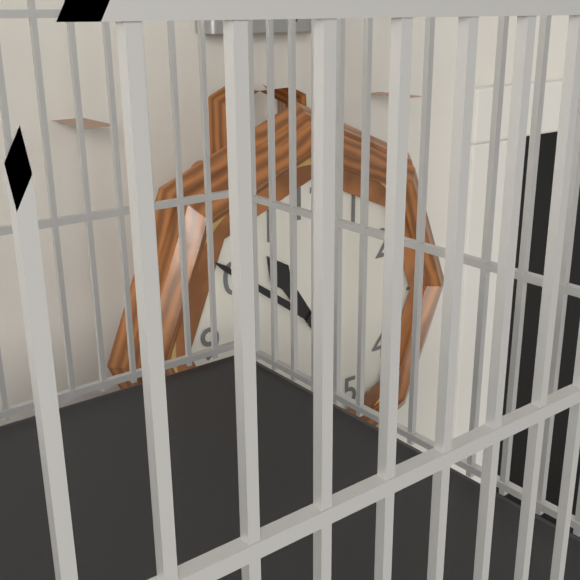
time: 10:51
